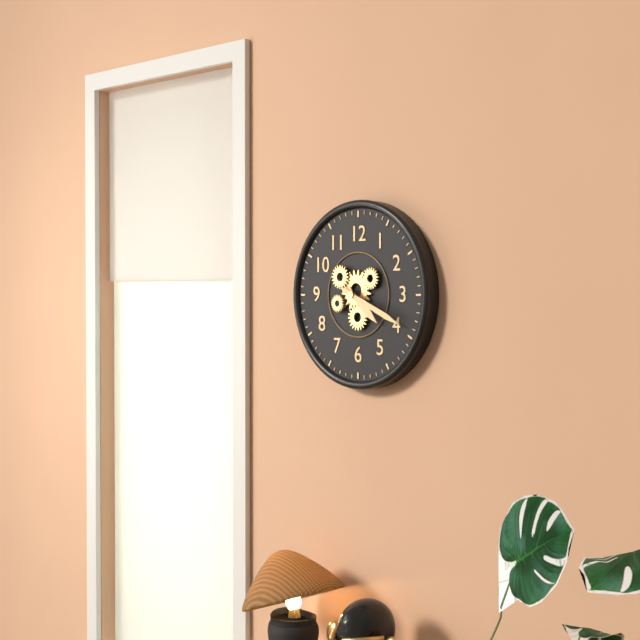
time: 4:19
